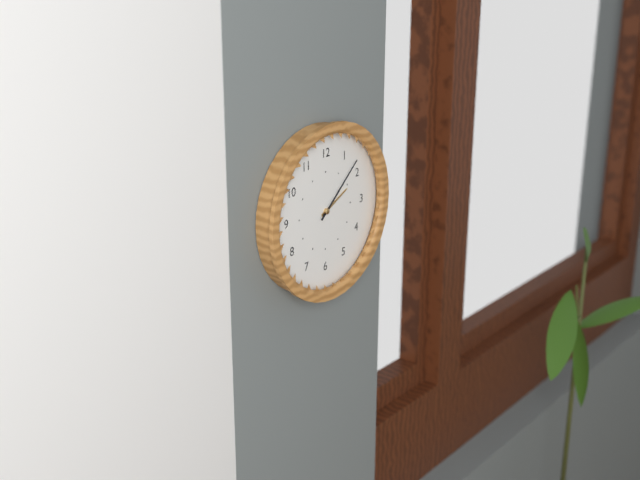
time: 2:08
